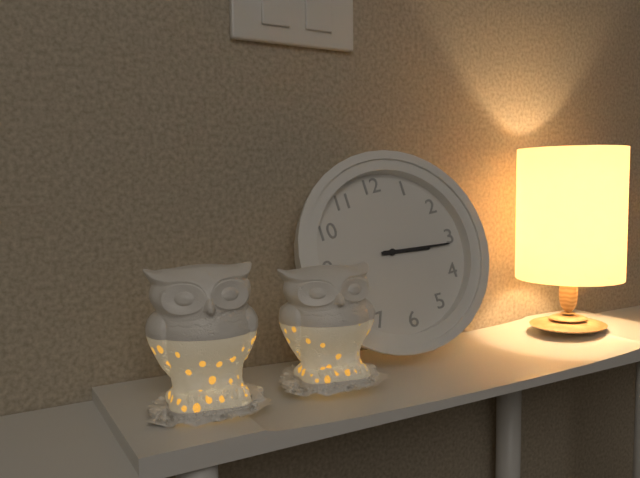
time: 3:16
